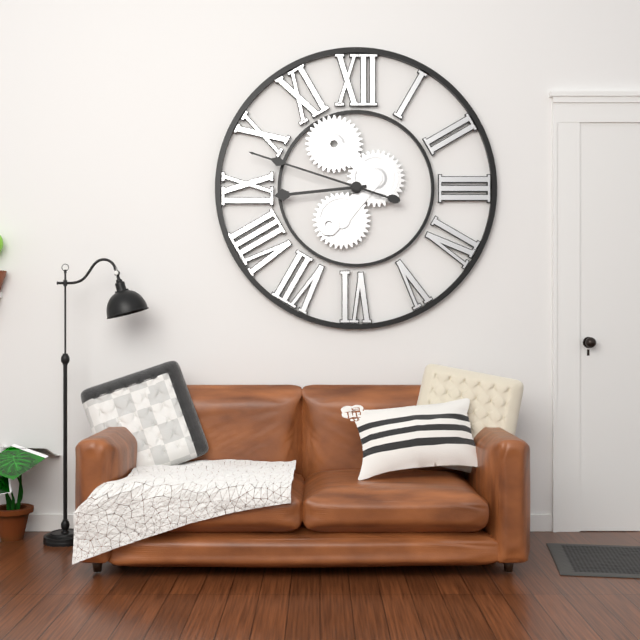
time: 8:48
